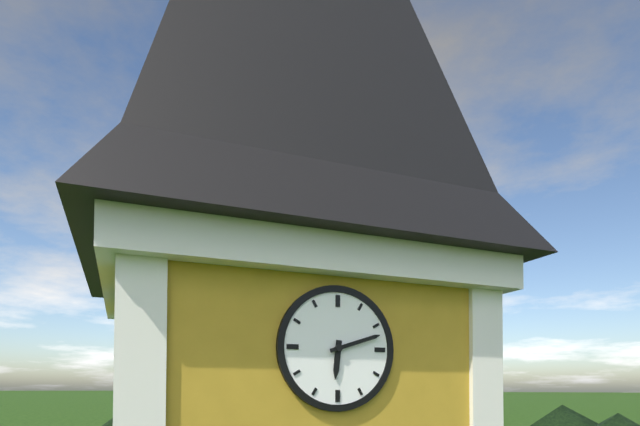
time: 6:12
